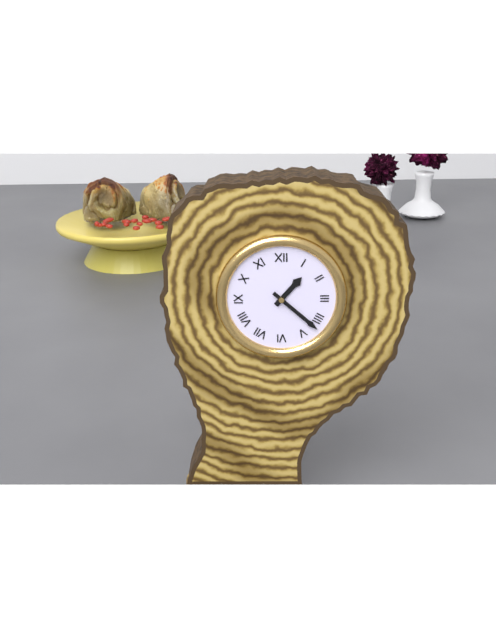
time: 1:22
